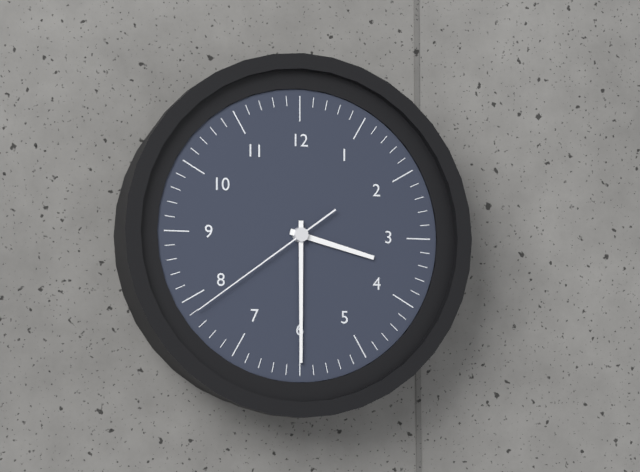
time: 3:30:39
